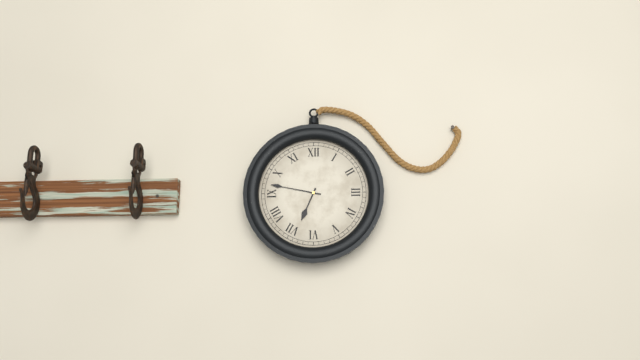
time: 6:47
